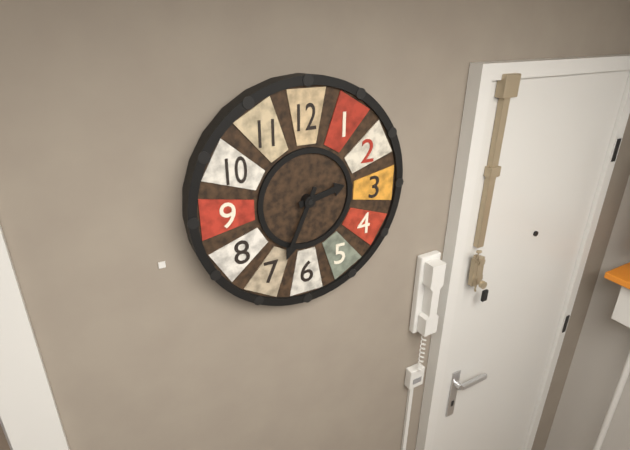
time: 2:34
